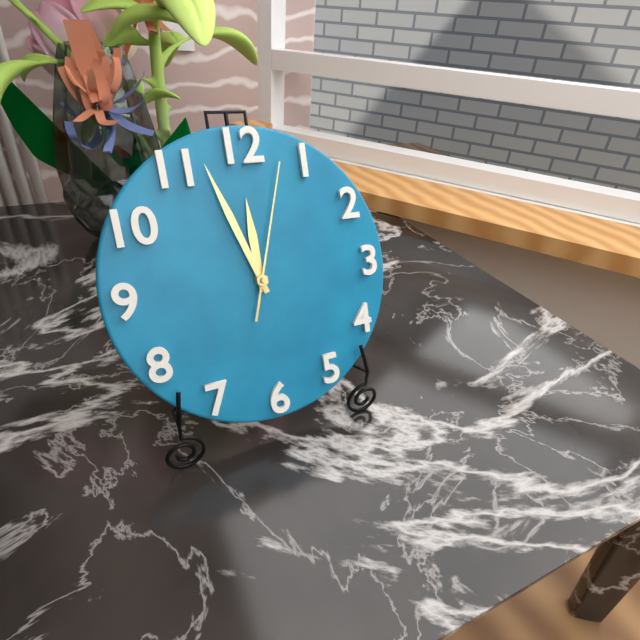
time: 11:57:03
